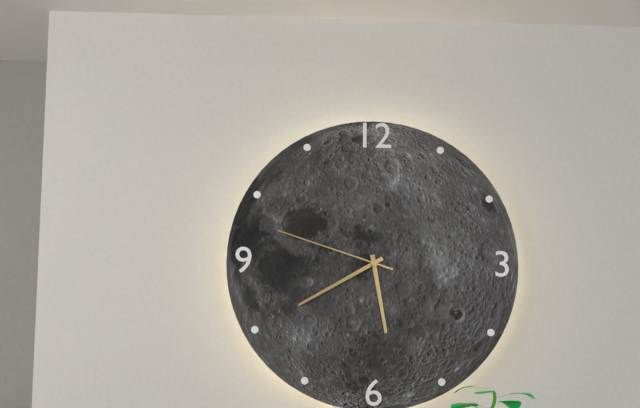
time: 5:40:48
